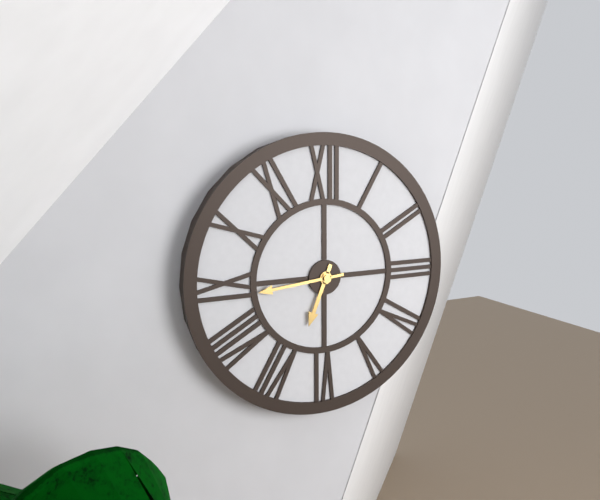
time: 6:44
